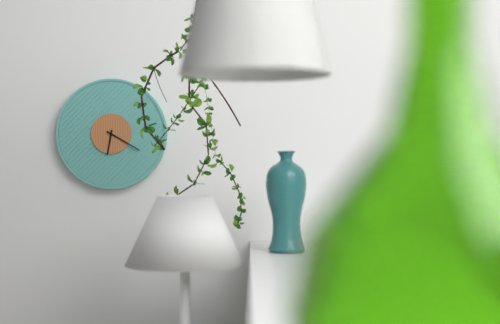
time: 6:20
